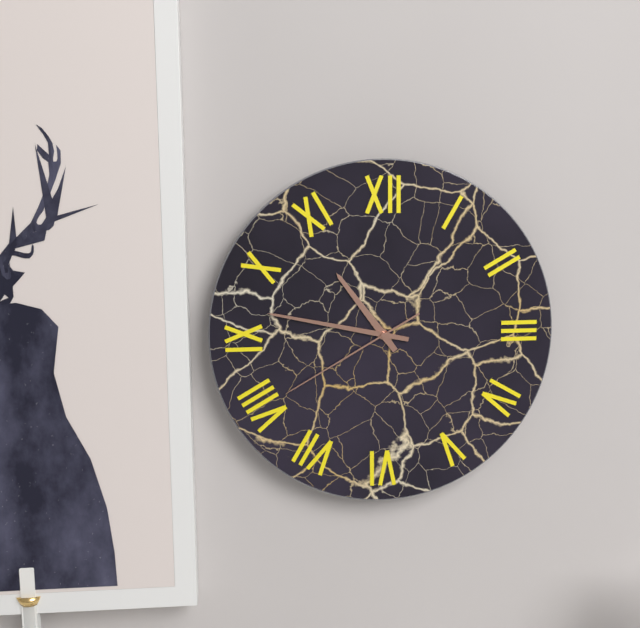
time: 10:47:40
